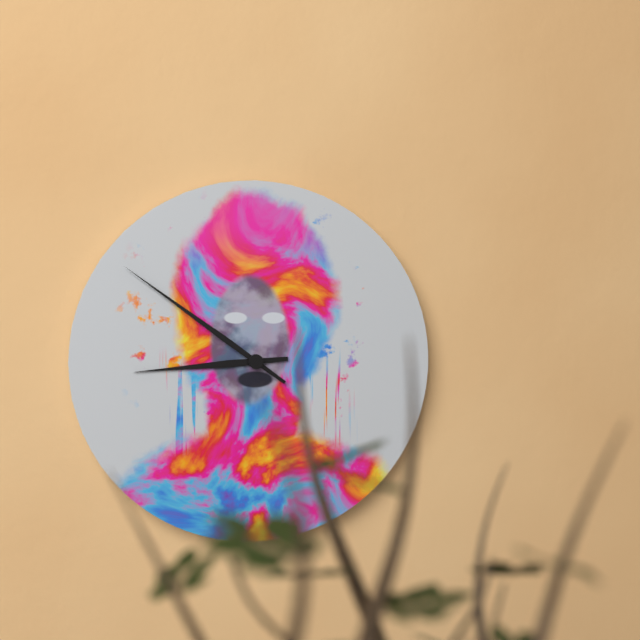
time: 8:51
